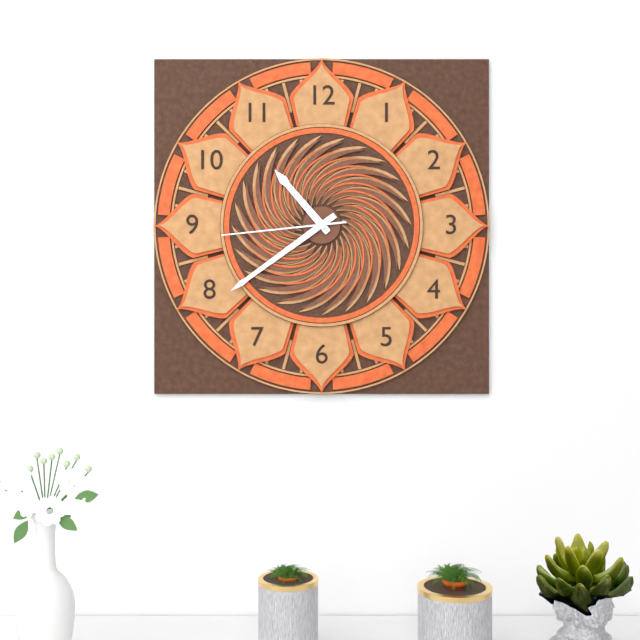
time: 10:39:44
